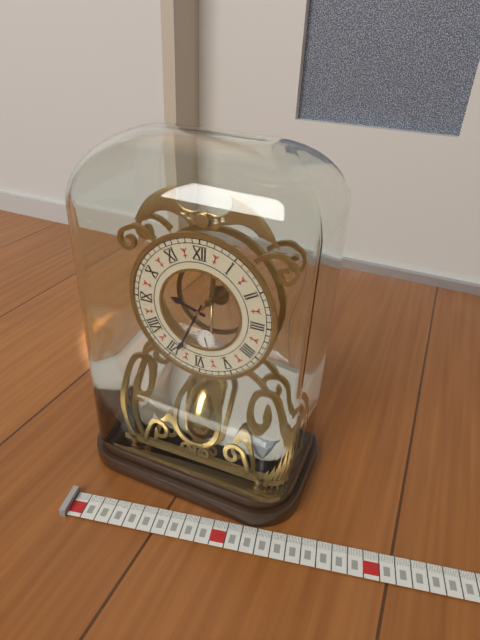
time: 9:34
